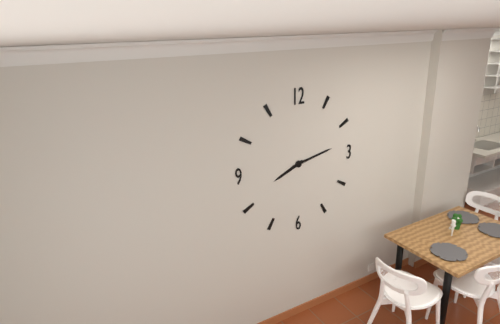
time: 8:13
